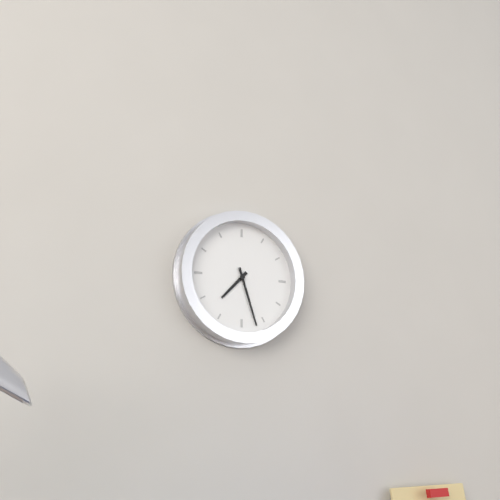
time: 7:27
